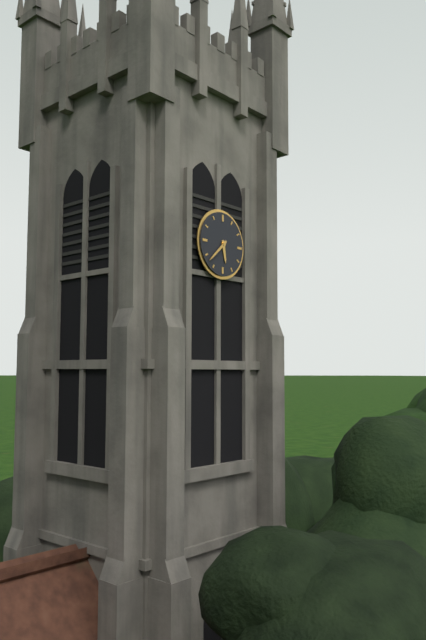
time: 5:38
